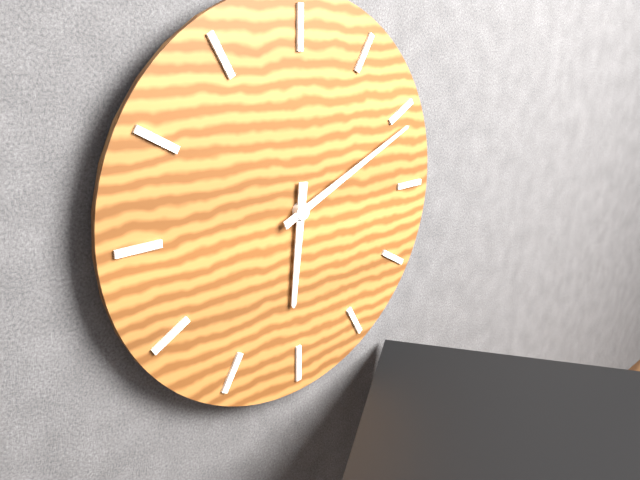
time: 6:11
